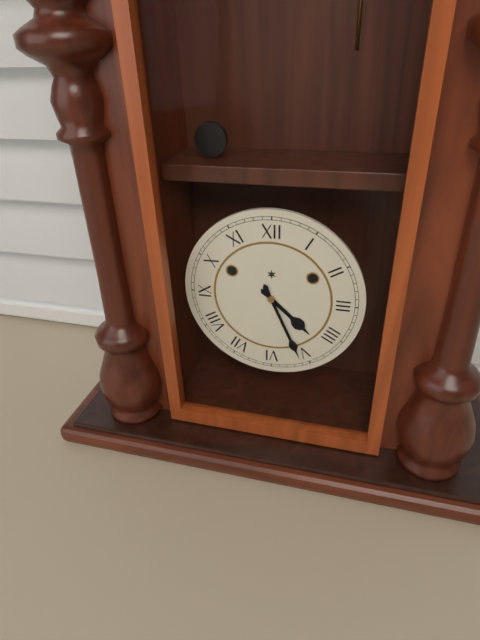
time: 4:26
